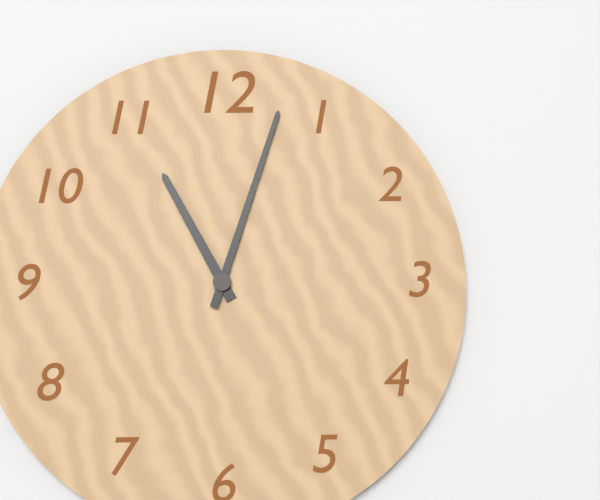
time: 11:03
